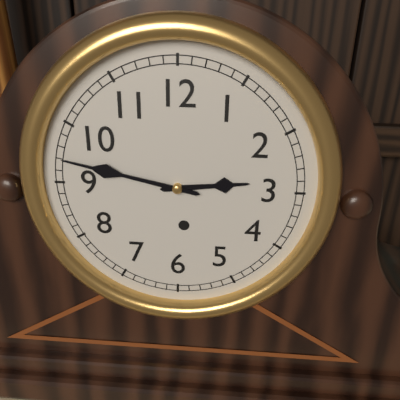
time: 2:47
